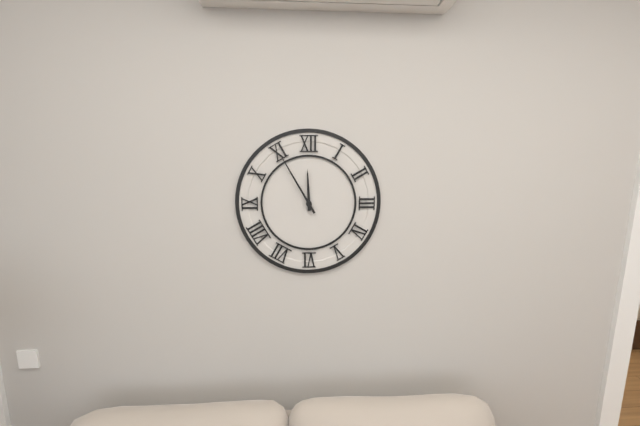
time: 11:55
